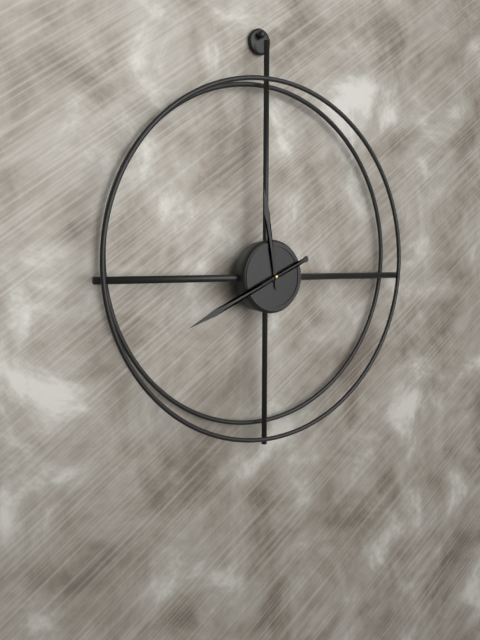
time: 11:41
